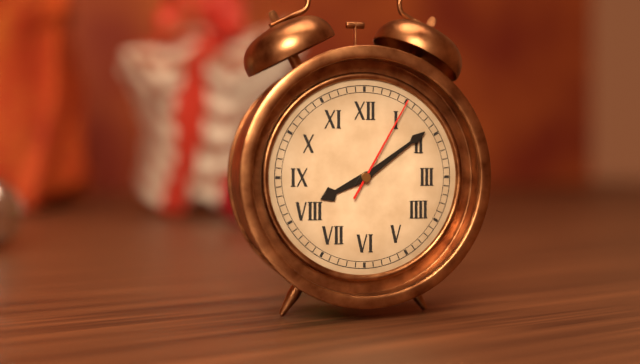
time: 8:09:05
